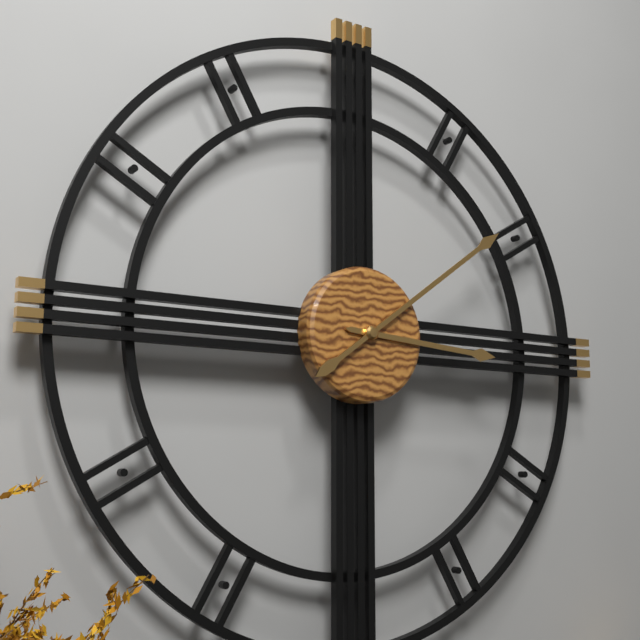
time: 3:09
